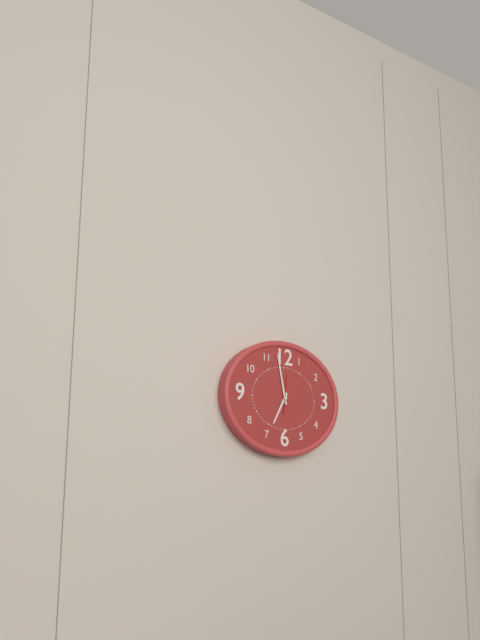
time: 6:58
